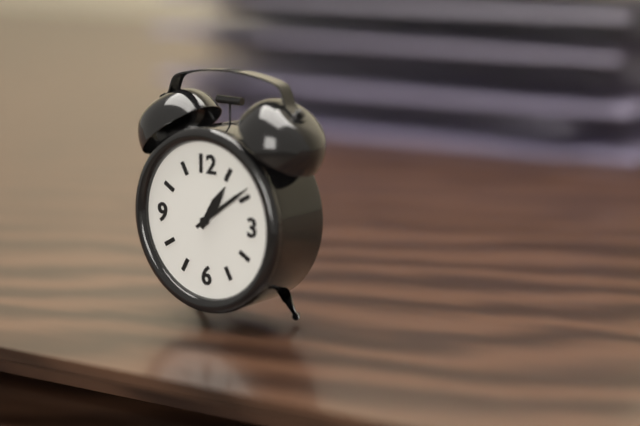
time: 1:09
